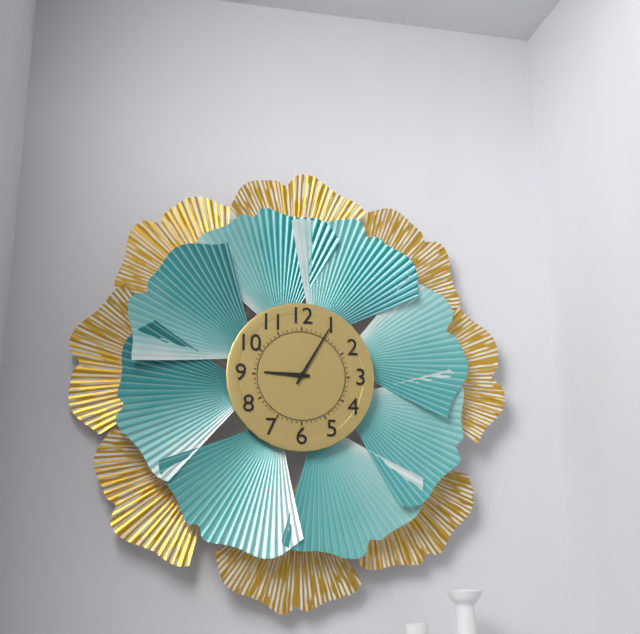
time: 9:05
